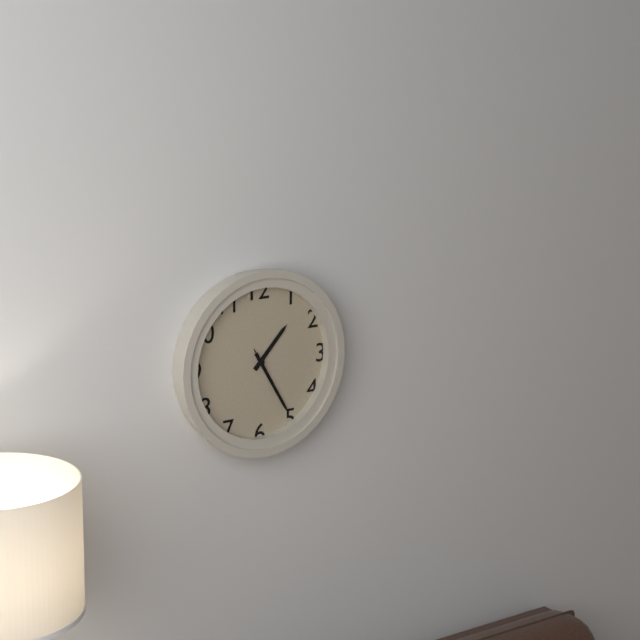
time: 1:25:25
